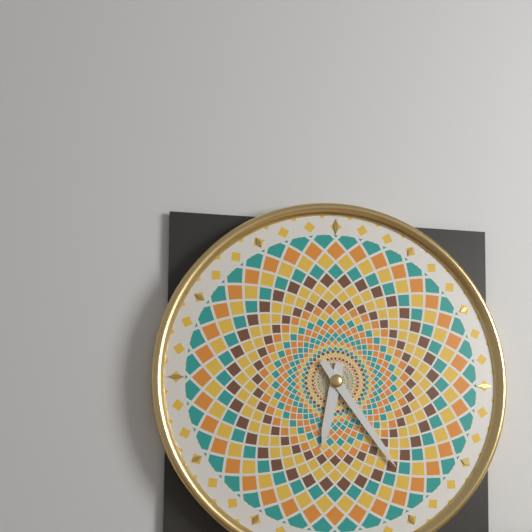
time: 6:24
